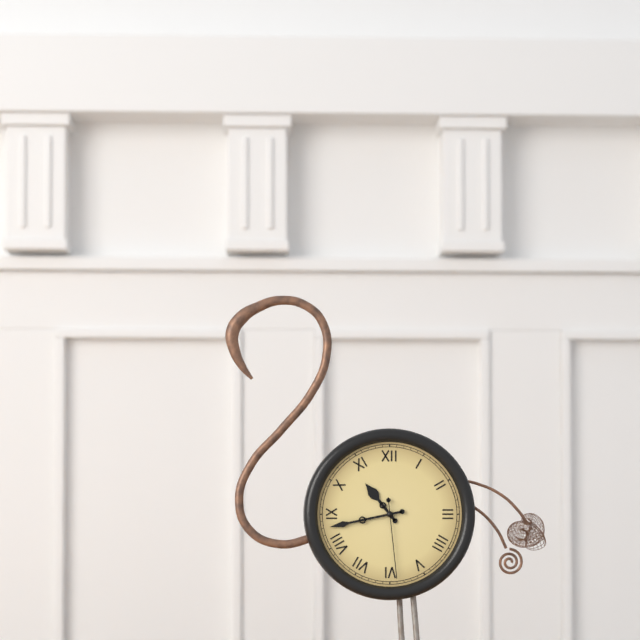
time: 10:43:29
